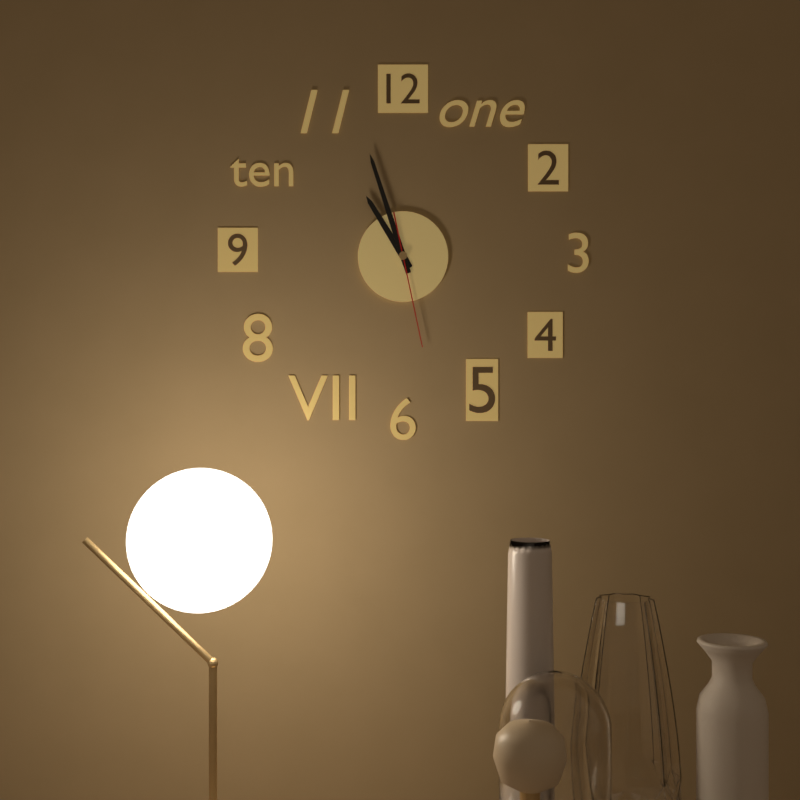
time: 10:57:28
